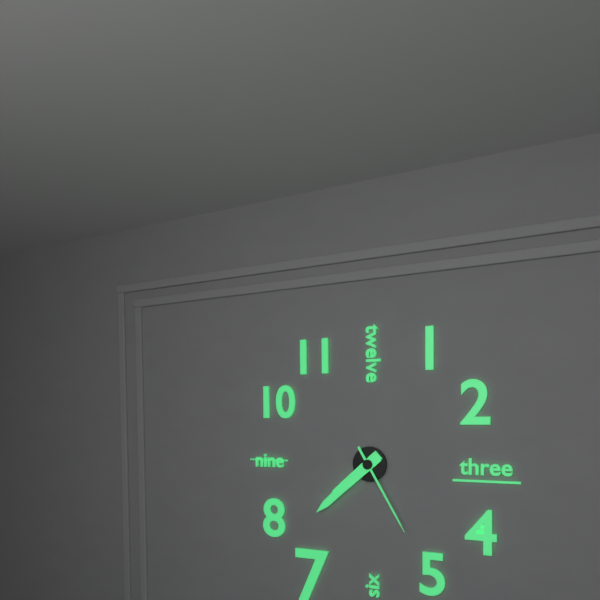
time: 7:38:25
